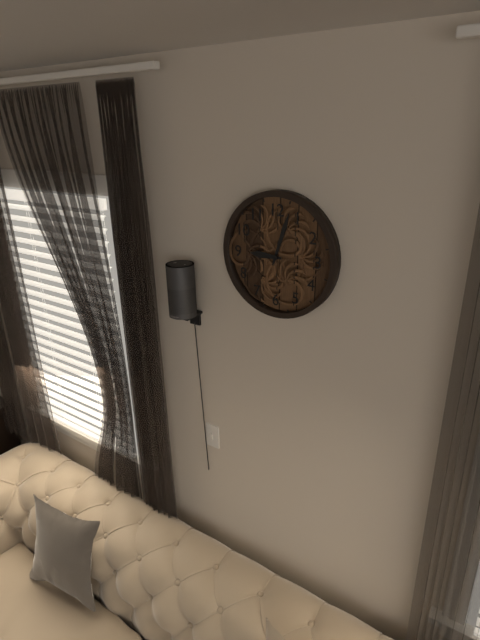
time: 9:03
